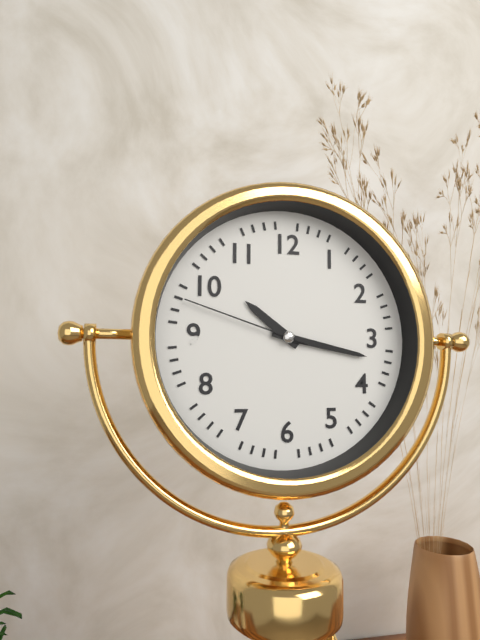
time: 10:17:48
